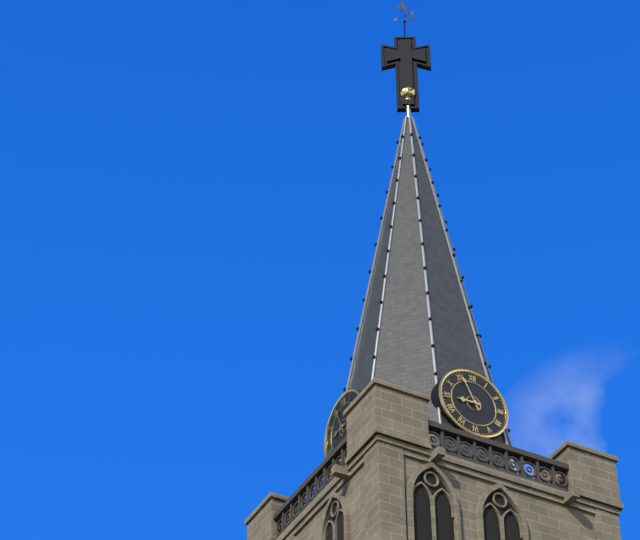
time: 8:56
